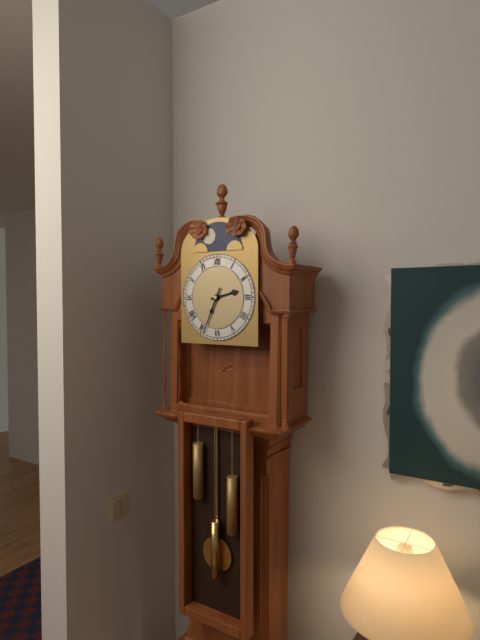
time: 2:34
